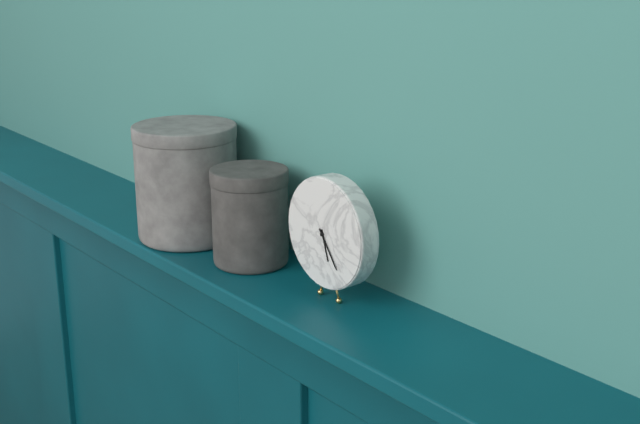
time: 5:24
